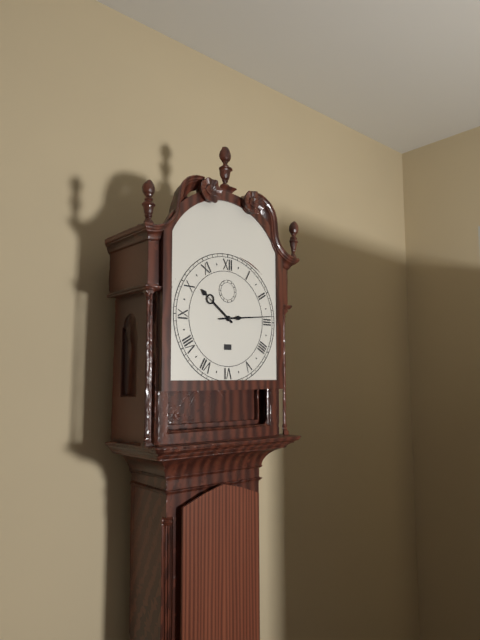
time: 10:14
